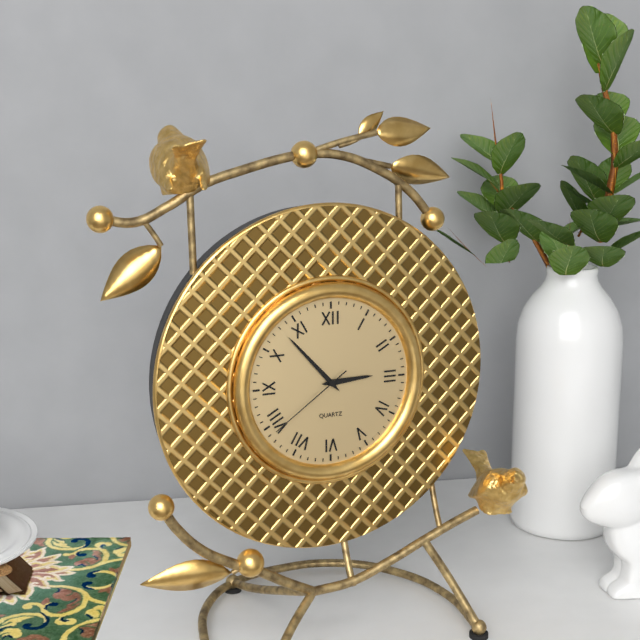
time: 2:53:39
